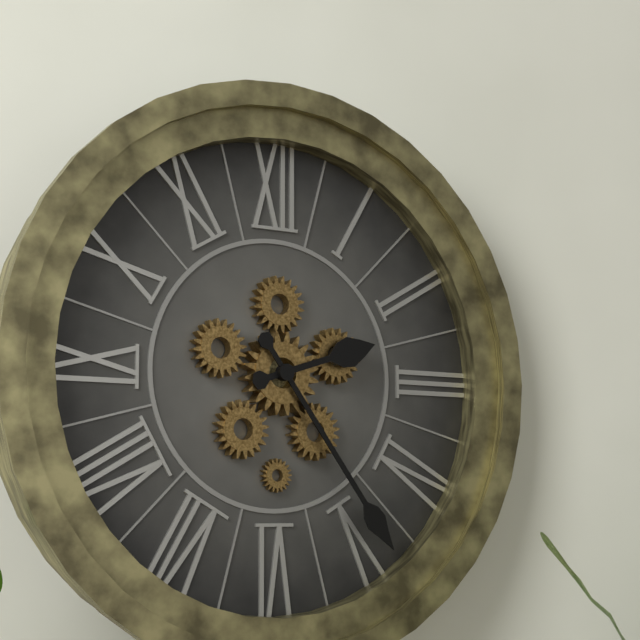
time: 2:24
